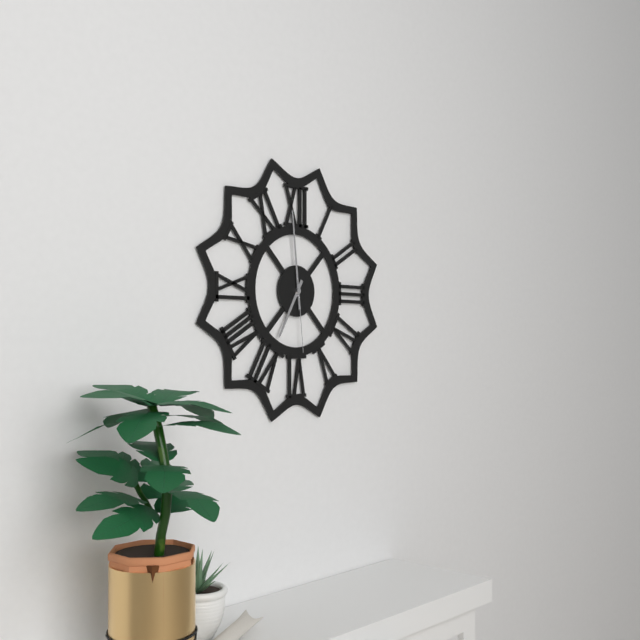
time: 6:59:29
